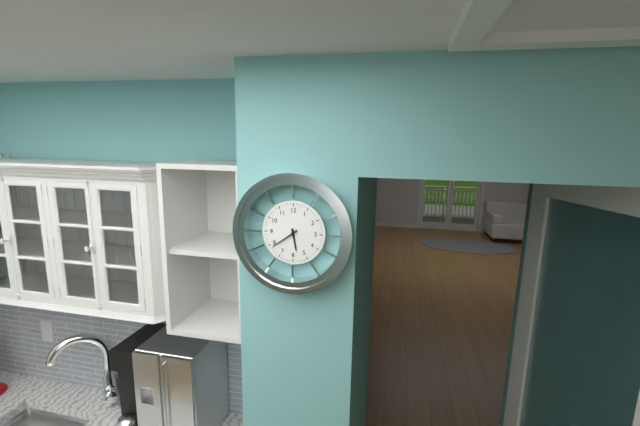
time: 5:39
